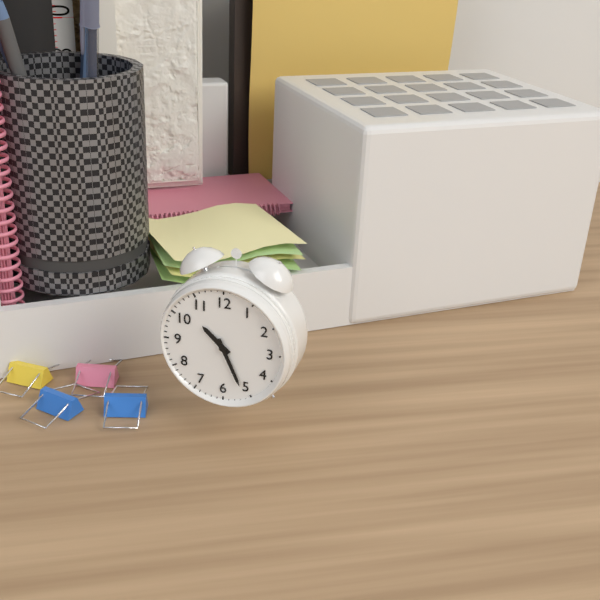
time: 10:26
